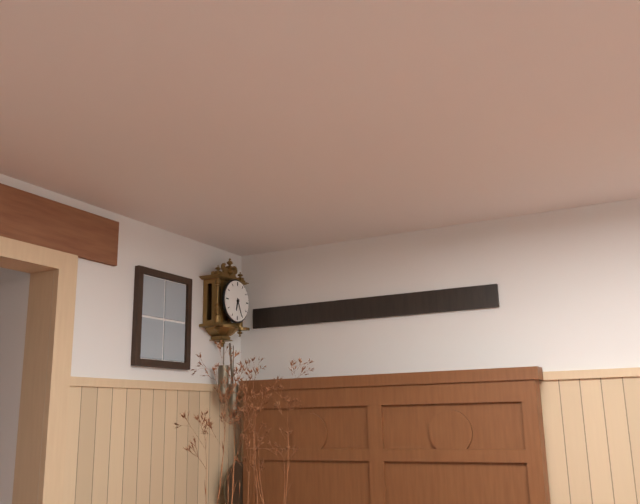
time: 6:26
